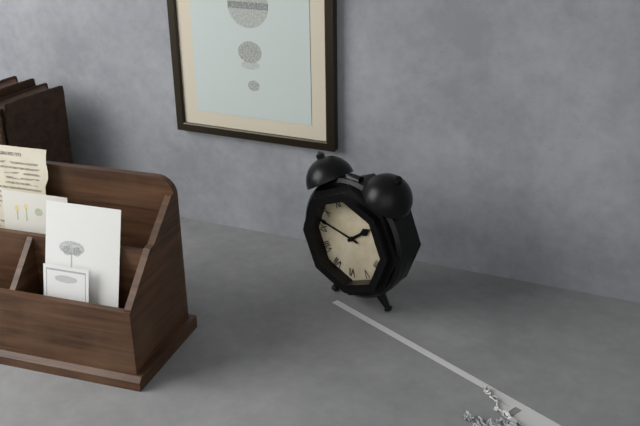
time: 1:47
